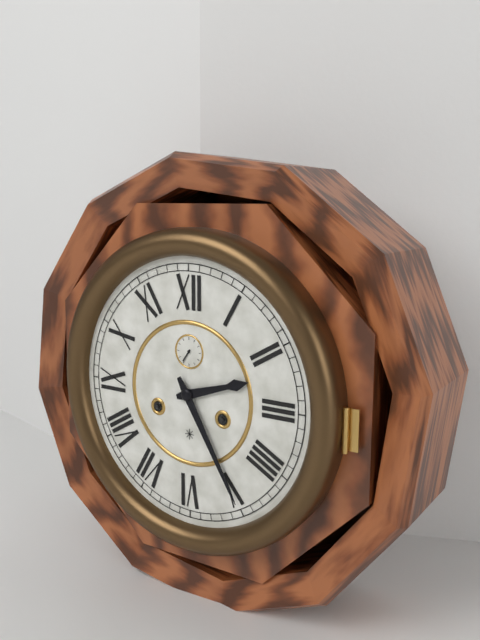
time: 2:25
